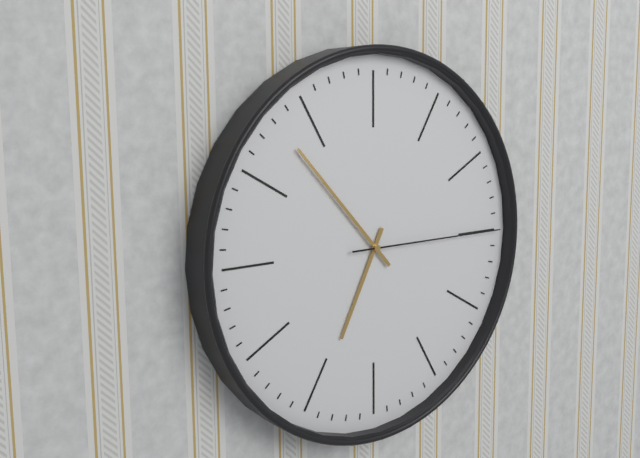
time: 6:53:15
